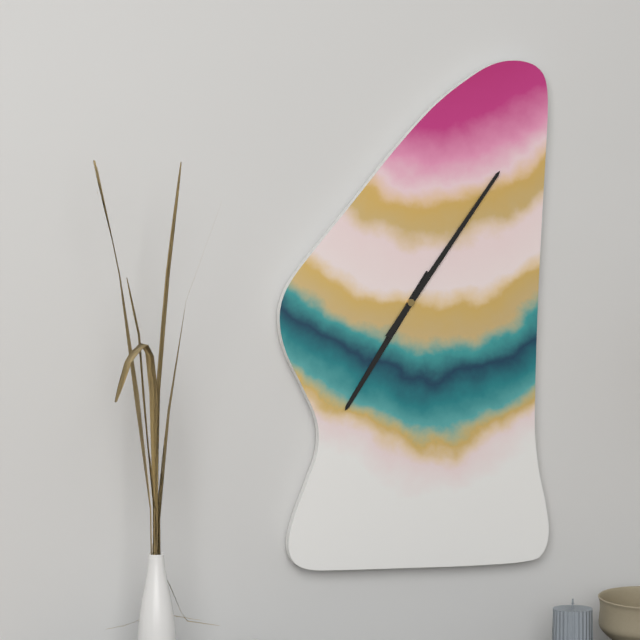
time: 7:06
